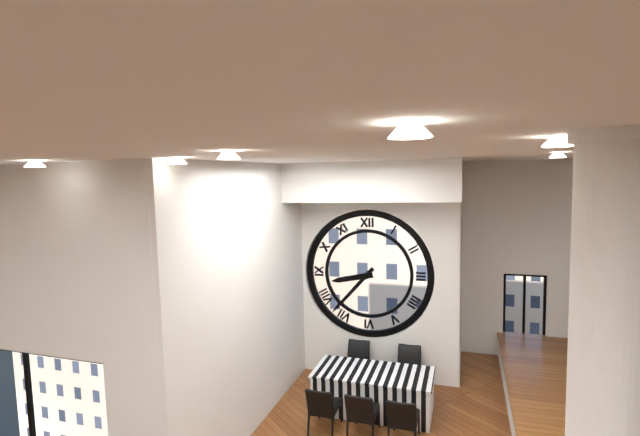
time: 8:37
